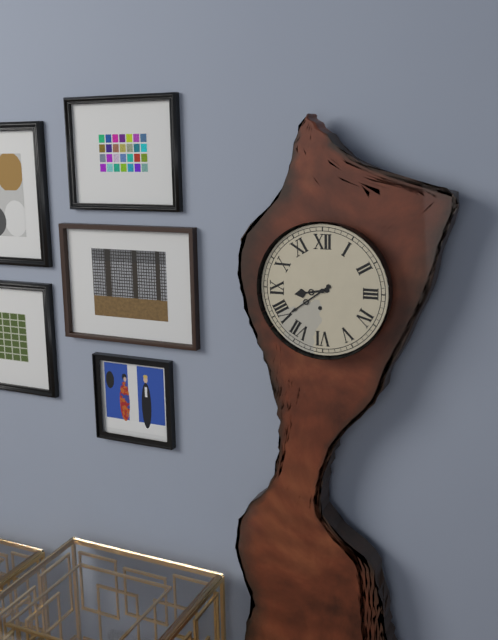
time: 8:39
